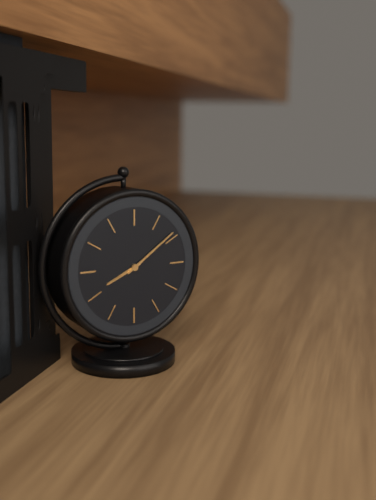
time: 8:09
